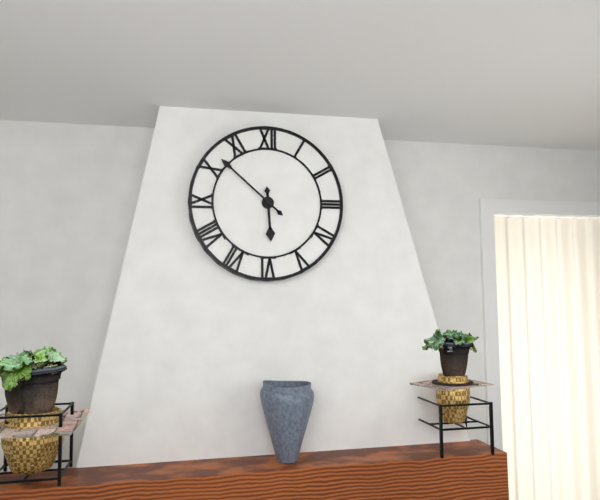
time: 5:52
